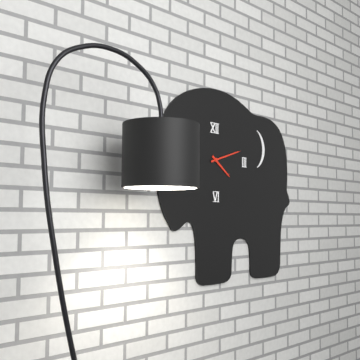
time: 4:12
